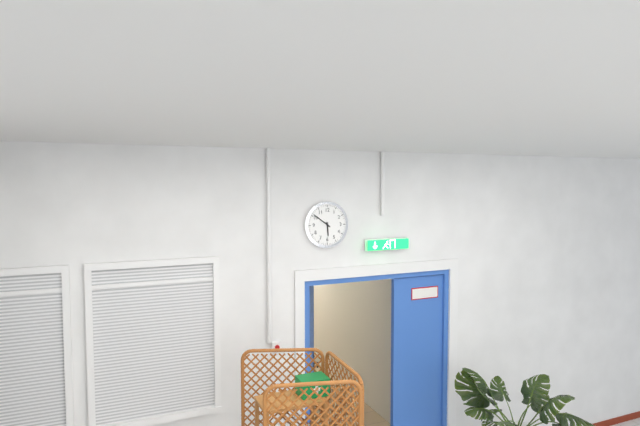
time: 5:51
